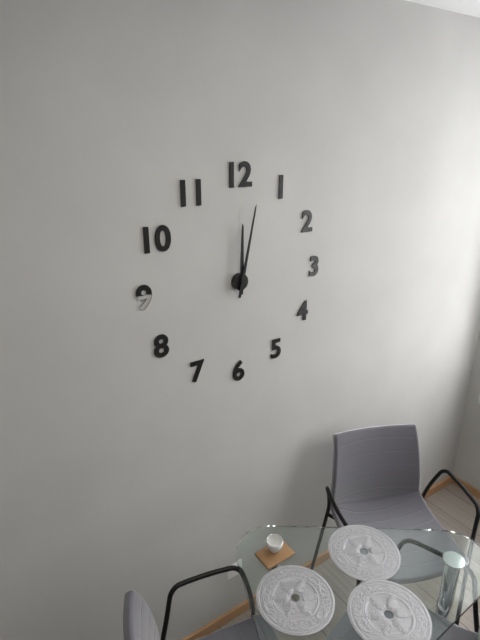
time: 12:02
